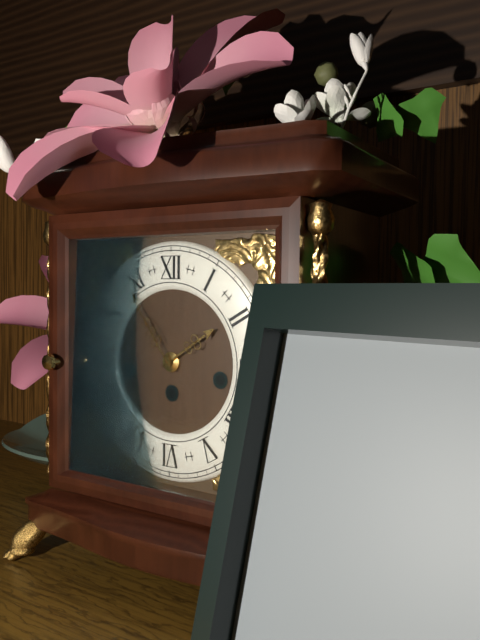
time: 1:54
